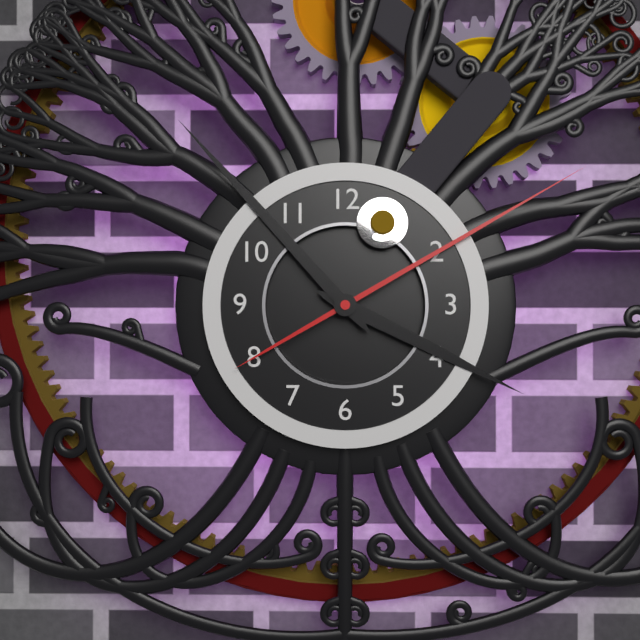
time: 3:53:10
